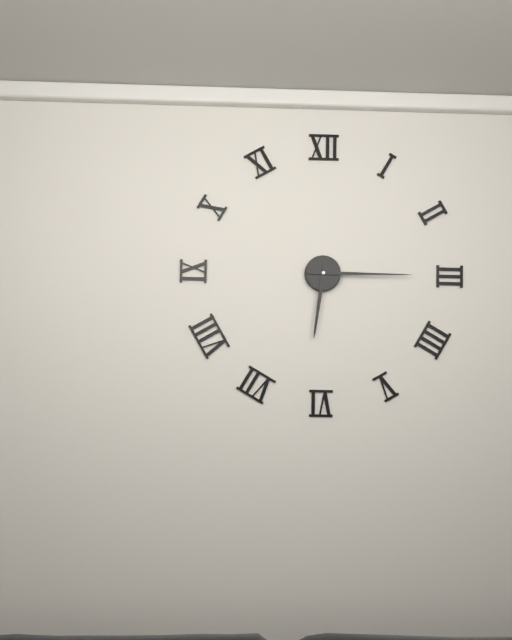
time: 6:15
